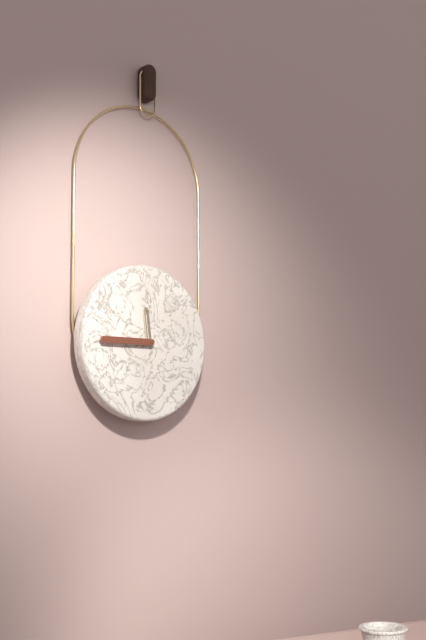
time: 11:45
